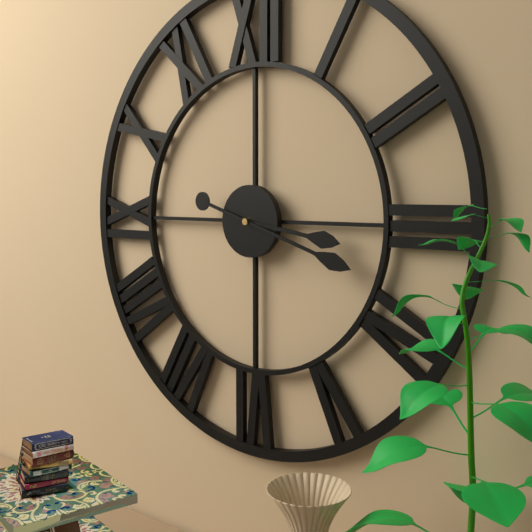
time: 3:18
